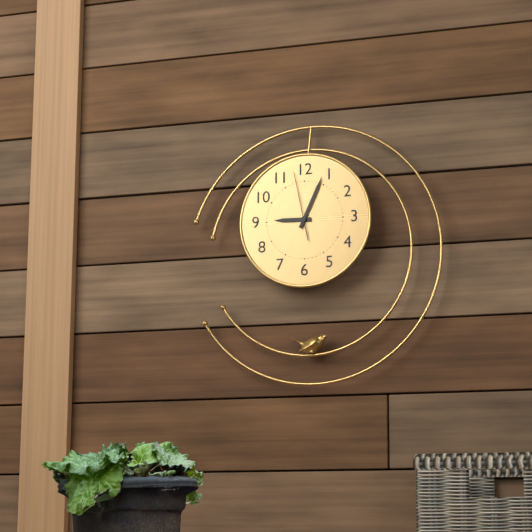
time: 9:04:58
